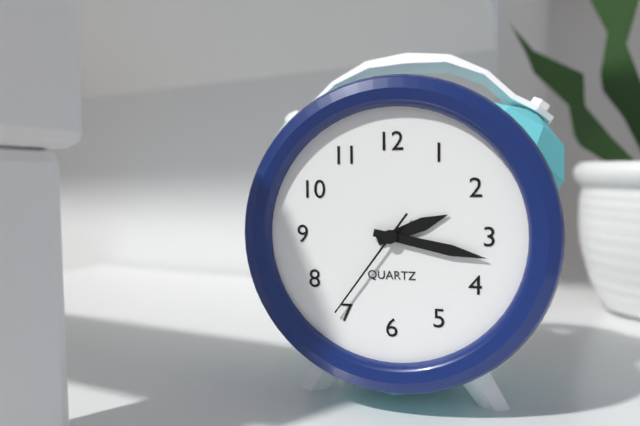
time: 2:17:36
